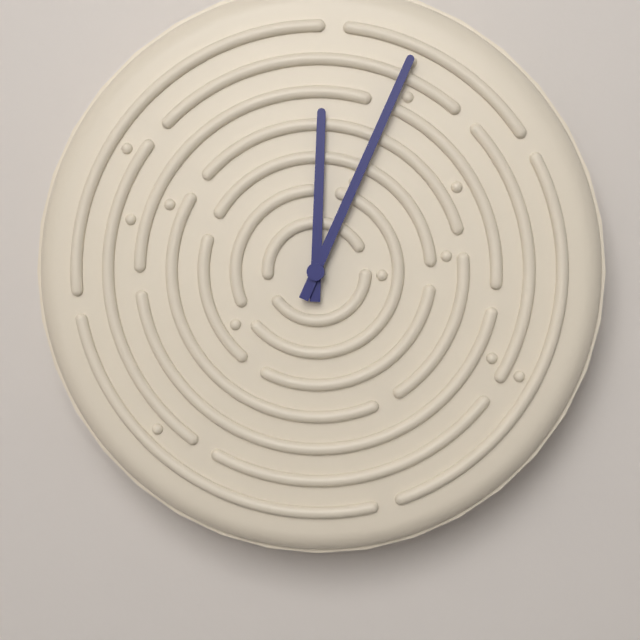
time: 12:04
